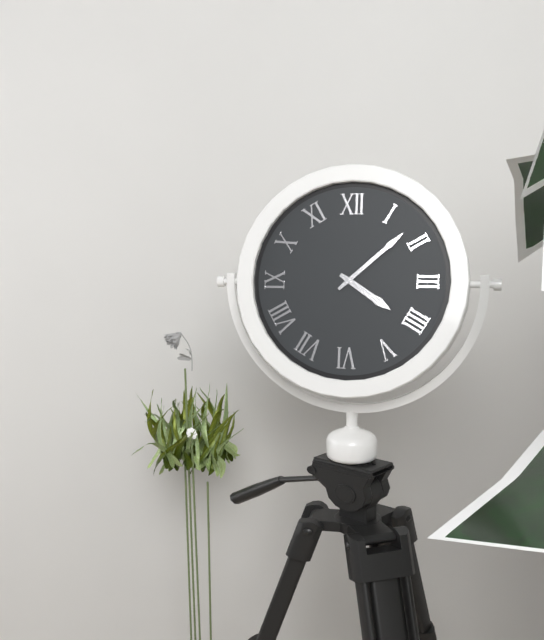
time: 4:08
